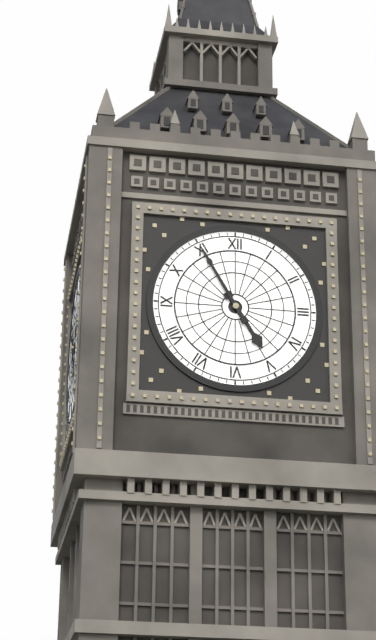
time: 4:55
